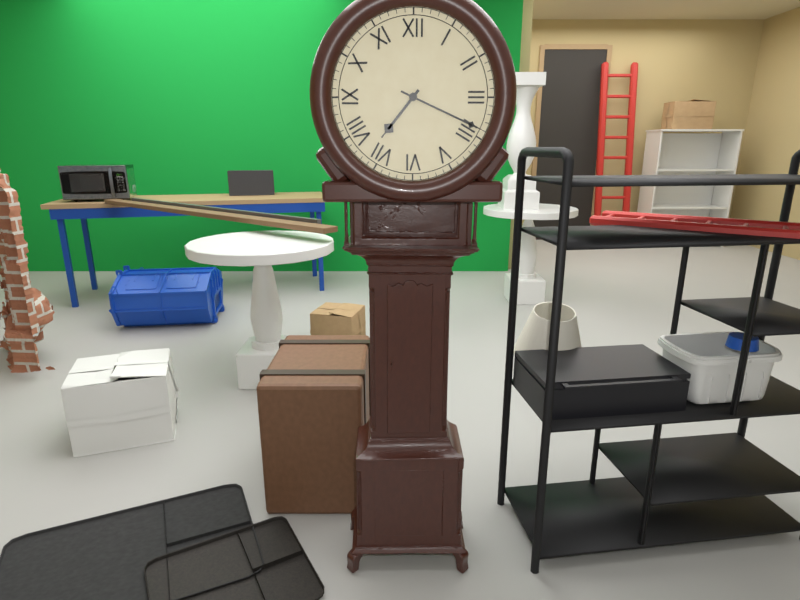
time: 7:19
